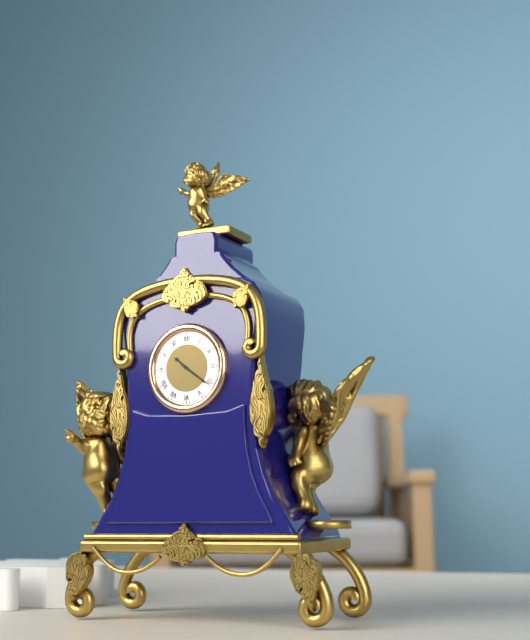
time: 10:21
